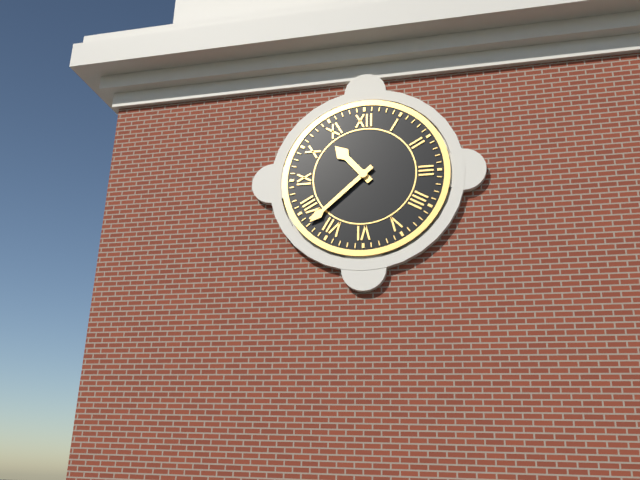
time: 10:38
